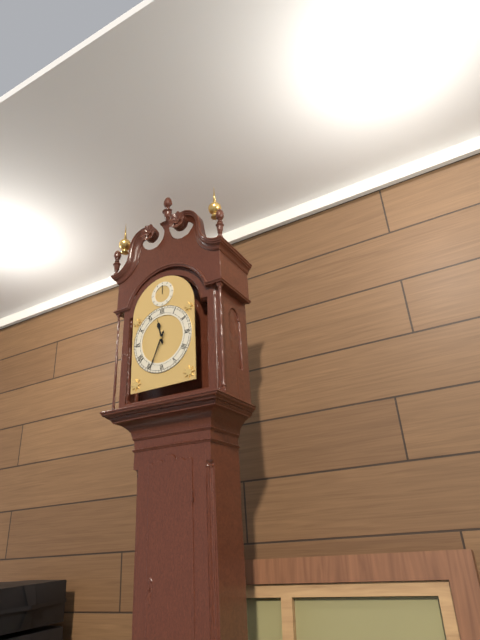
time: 11:34
